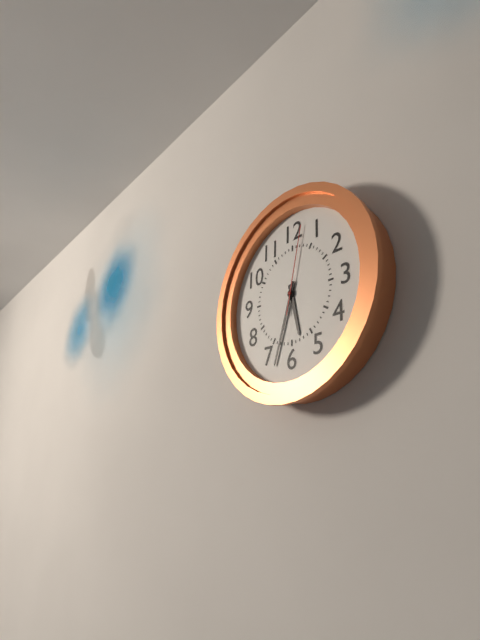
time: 5:33:02
